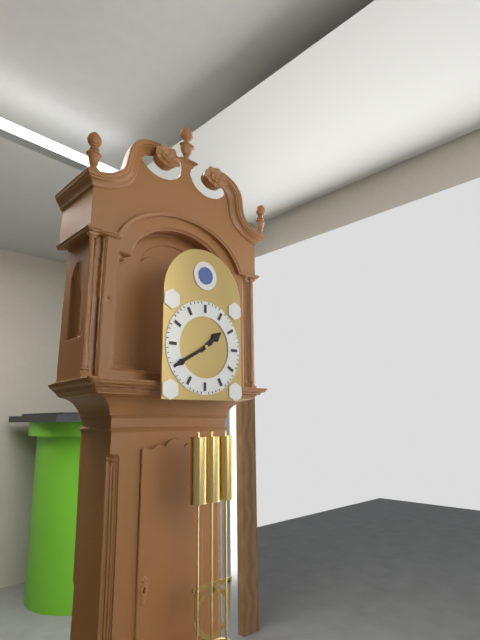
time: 1:40
